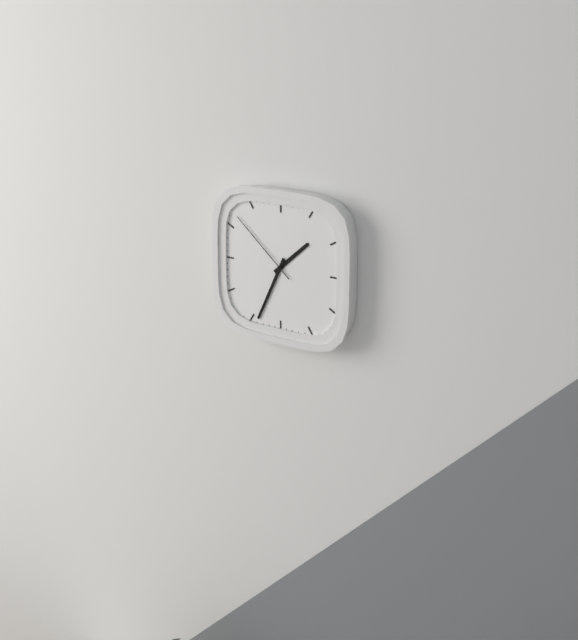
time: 1:34:52
